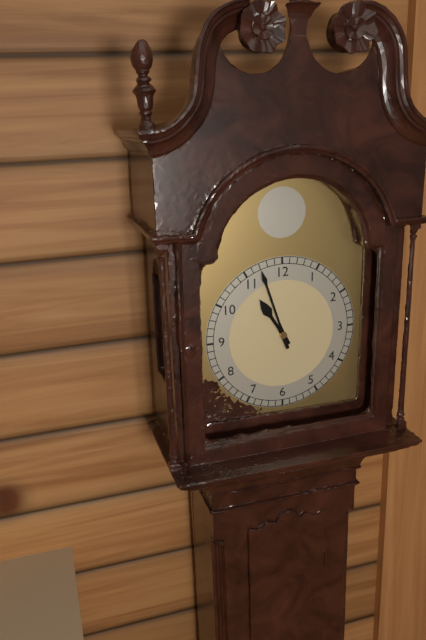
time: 10:57
